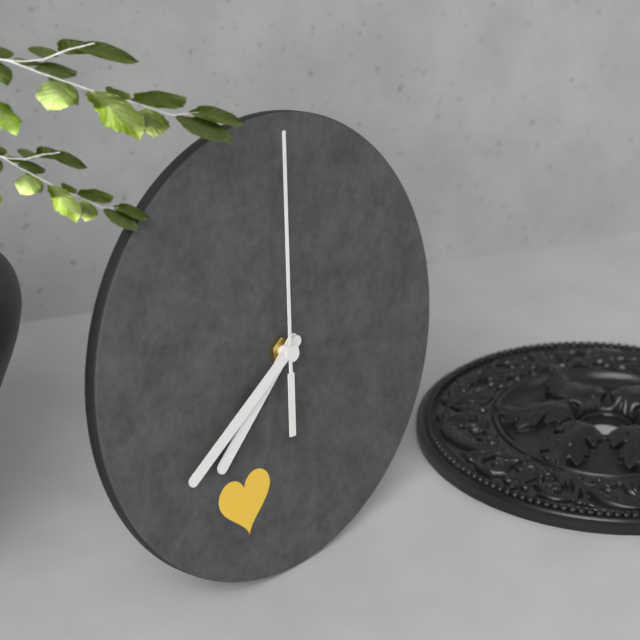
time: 7:40:01
